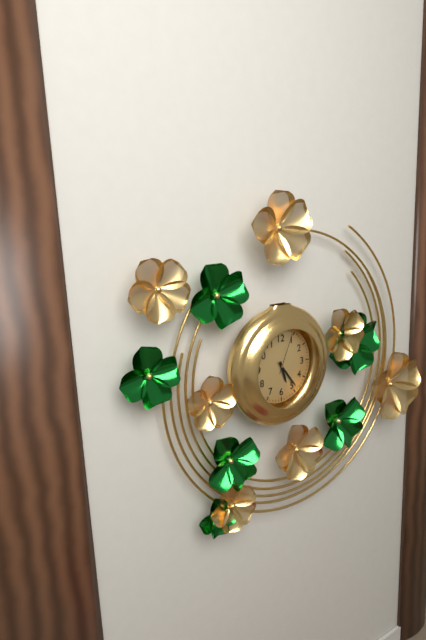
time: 5:24
